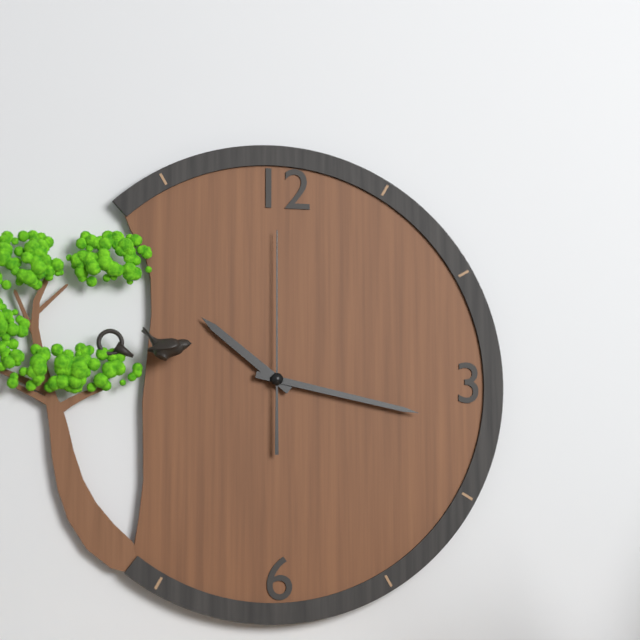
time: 10:17:00
